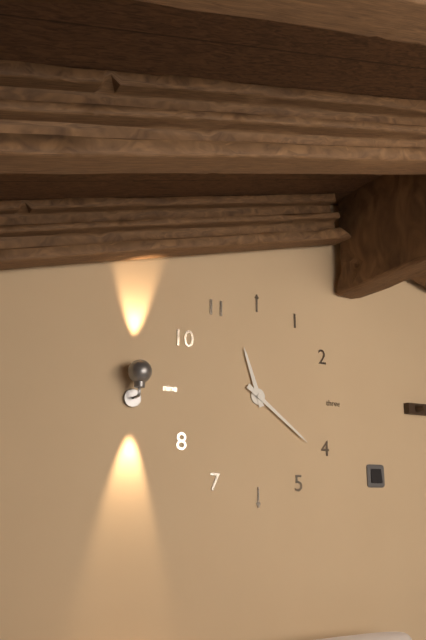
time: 11:21
